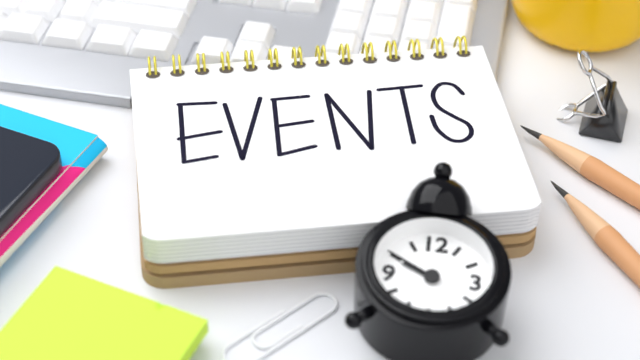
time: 9:50
